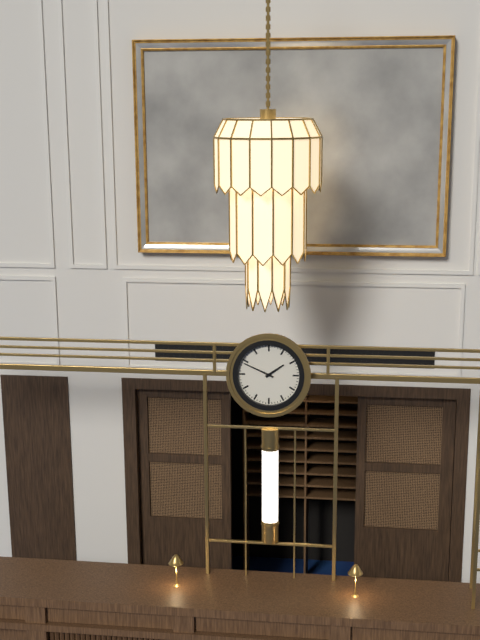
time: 1:49
